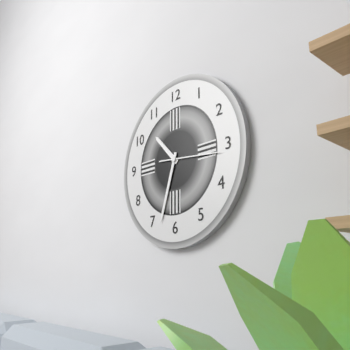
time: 10:33:16
